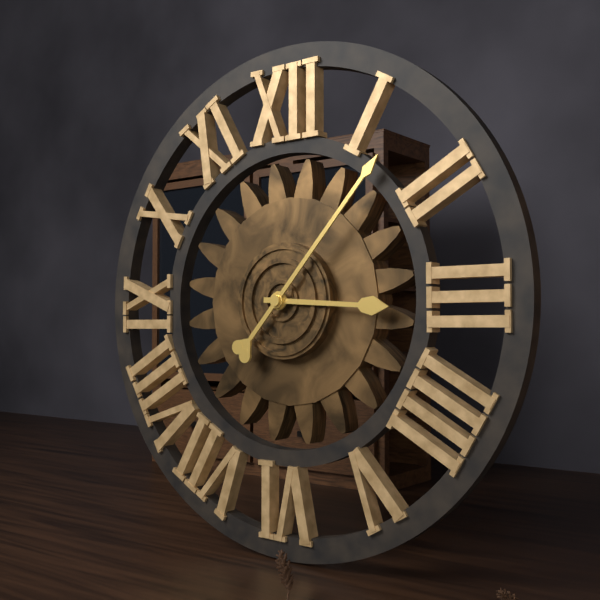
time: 3:07
